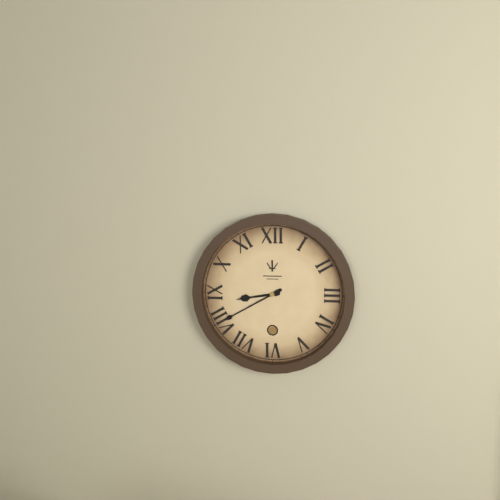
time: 8:40
